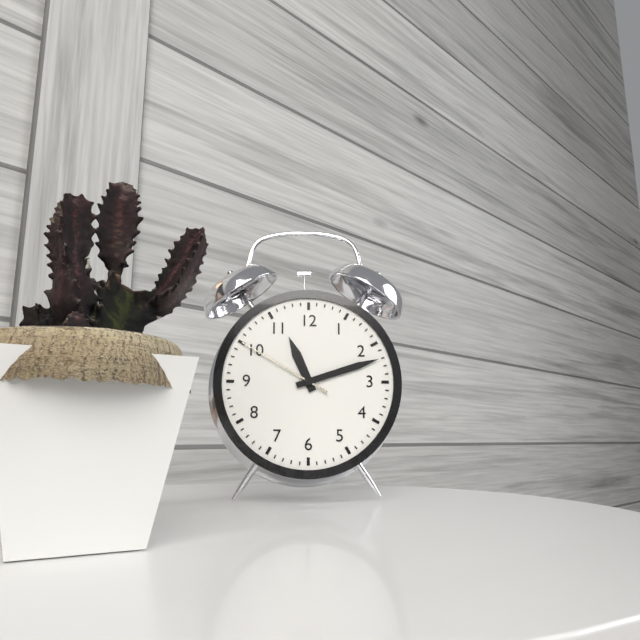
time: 11:12:50
